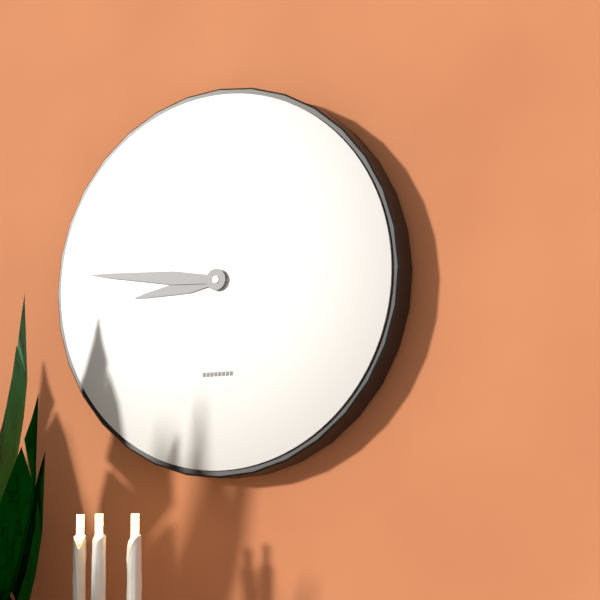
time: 8:46
